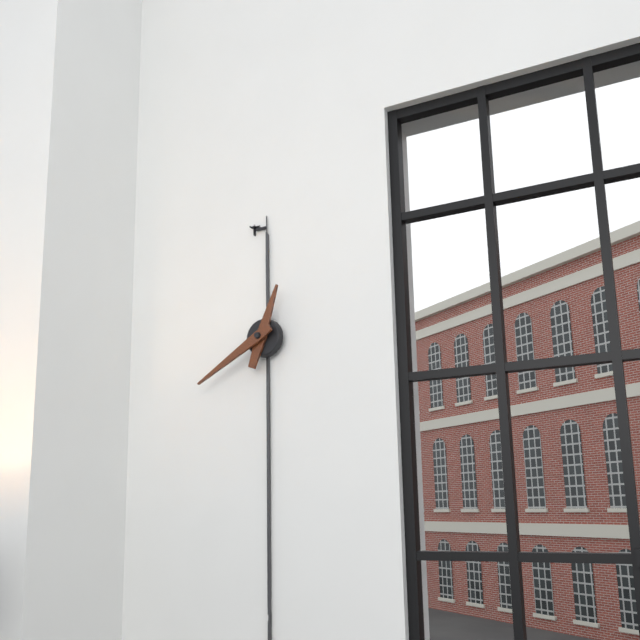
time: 12:40
